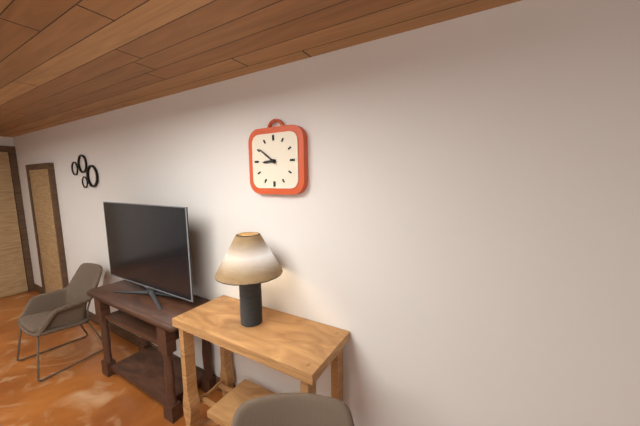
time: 8:51
